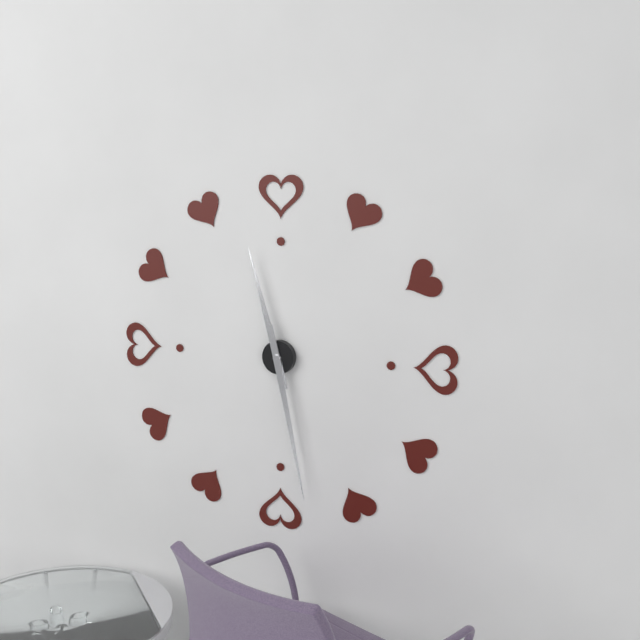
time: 11:28
